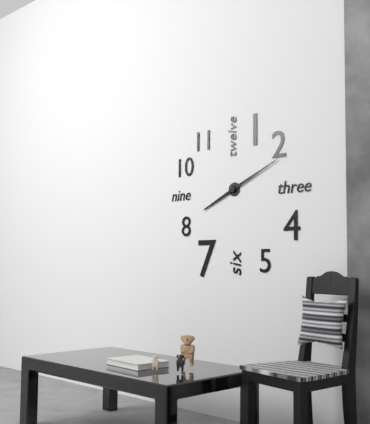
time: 8:11
